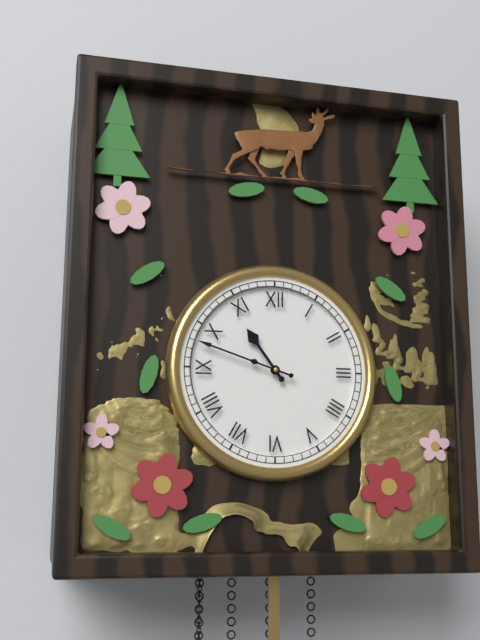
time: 10:48
